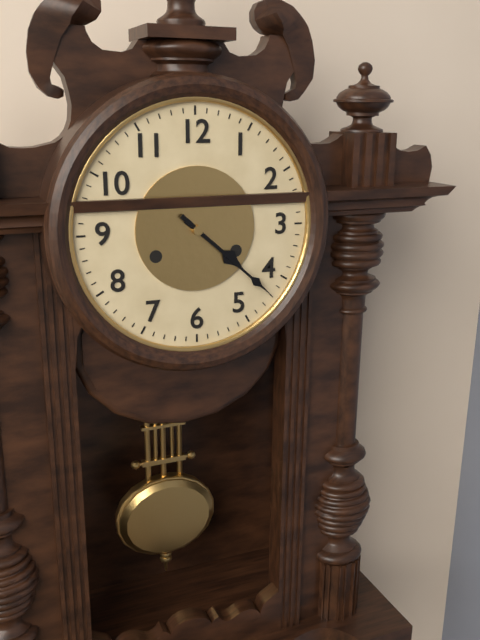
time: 4:22
